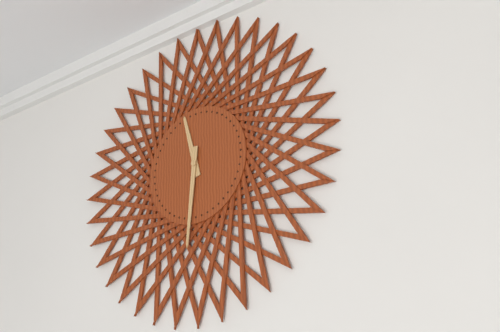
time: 11:31
